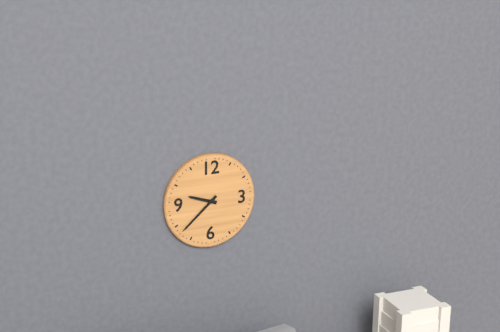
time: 9:38
